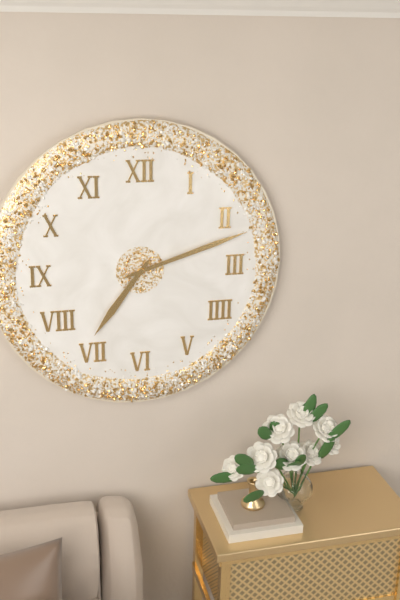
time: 7:12
